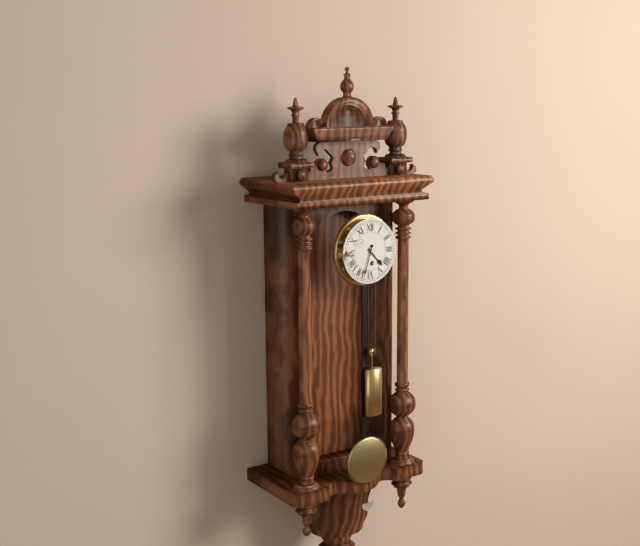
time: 4:33
